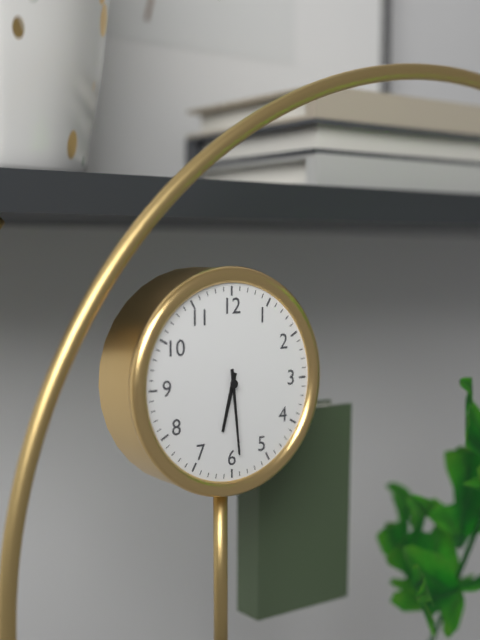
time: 6:29
